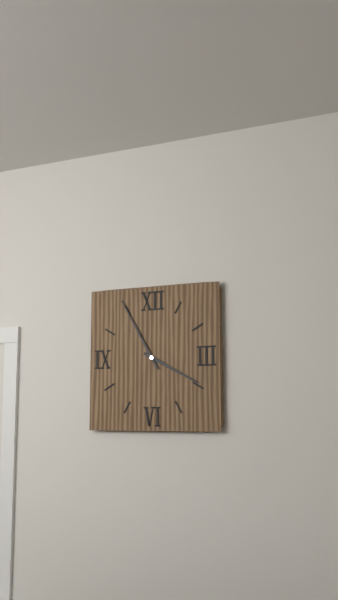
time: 3:55
